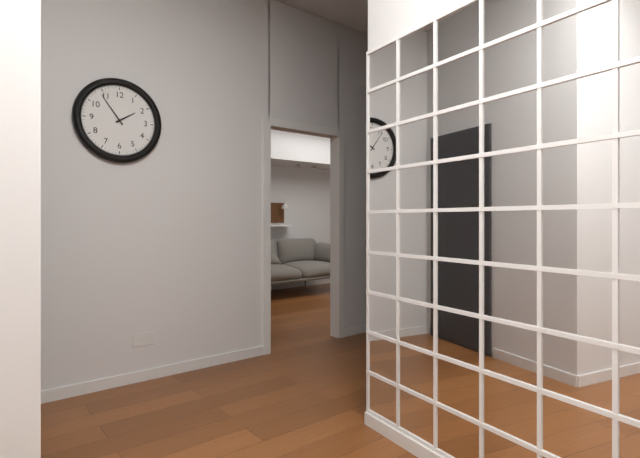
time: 1:54
